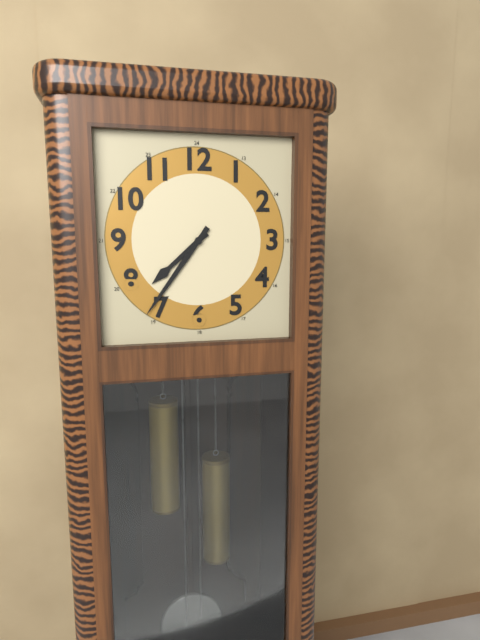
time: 7:36
